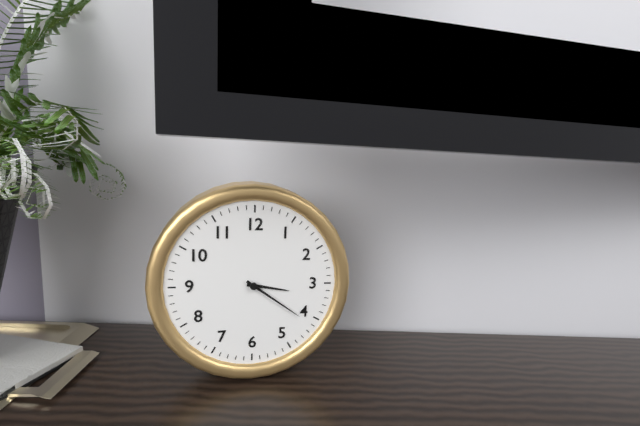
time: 3:21
